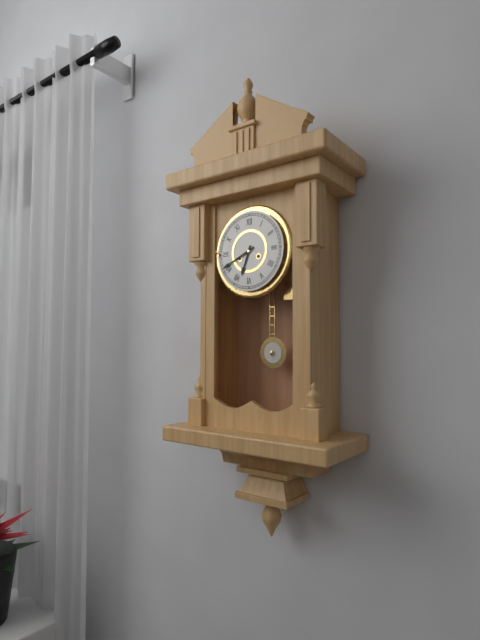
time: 6:41
